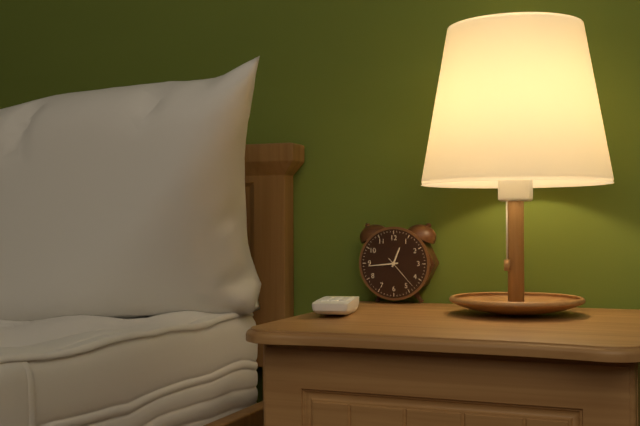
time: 12:44
